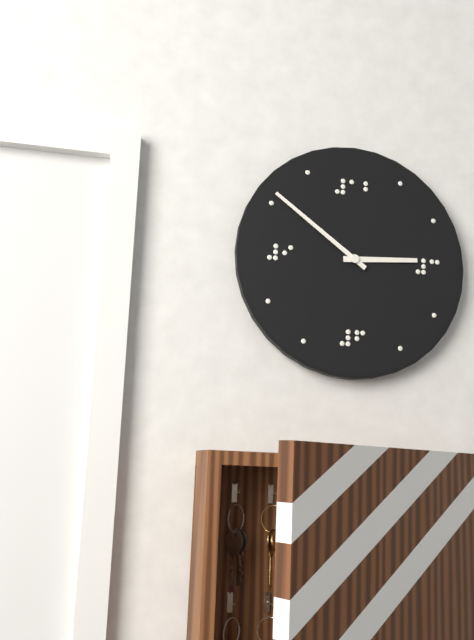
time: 2:51
